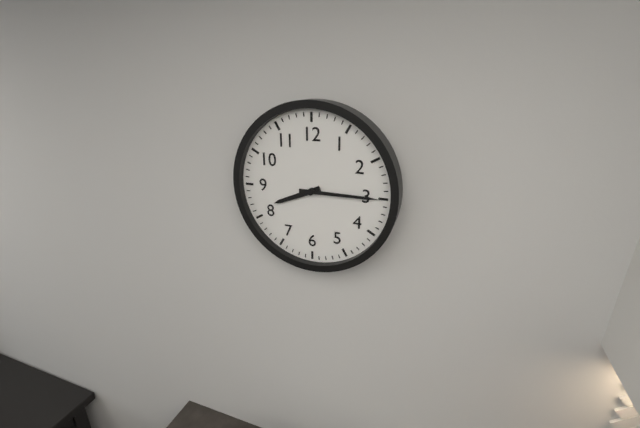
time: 8:15
